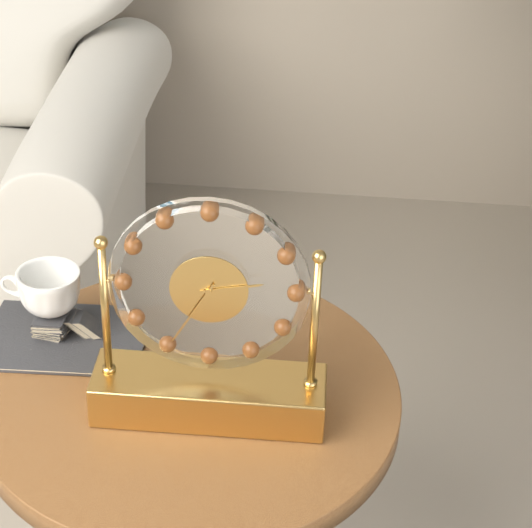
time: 2:35
